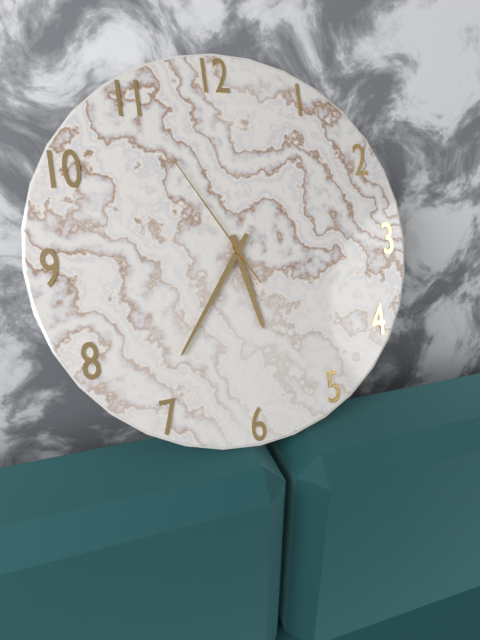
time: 5:36:55
